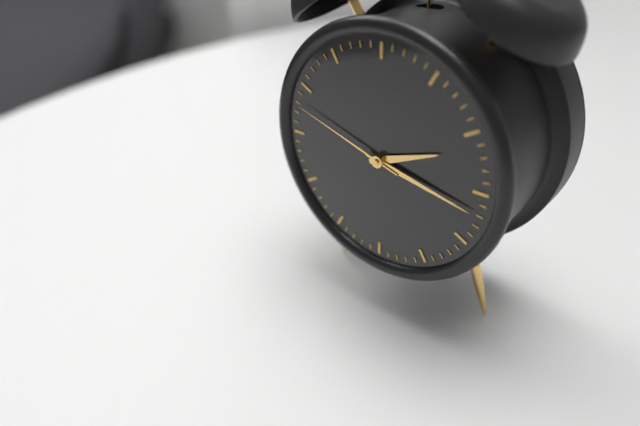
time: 2:17:48
